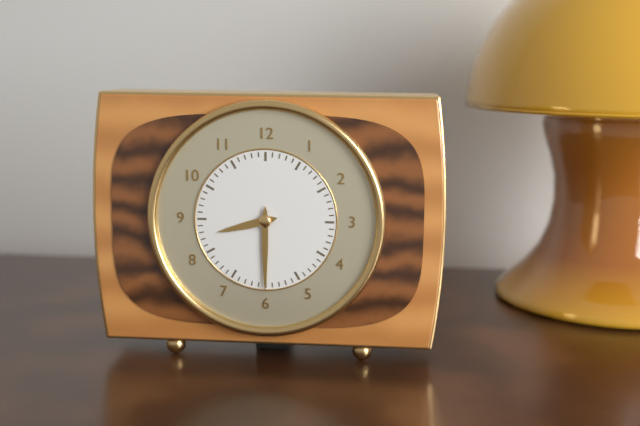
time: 8:30
